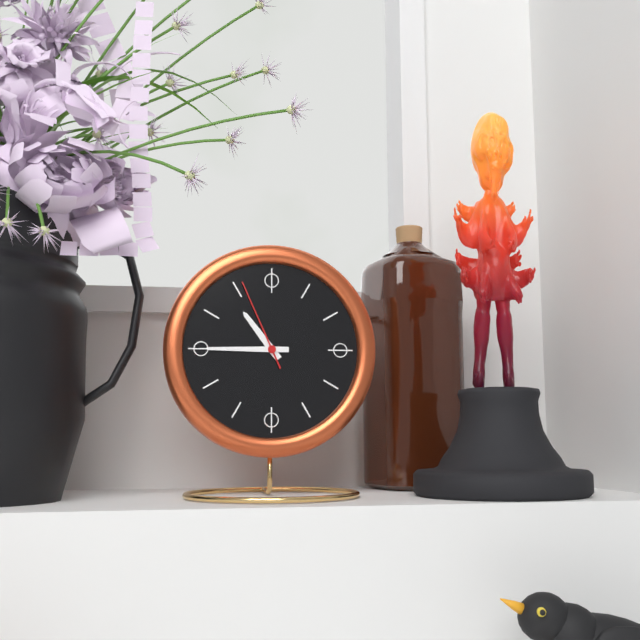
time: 10:45:56
